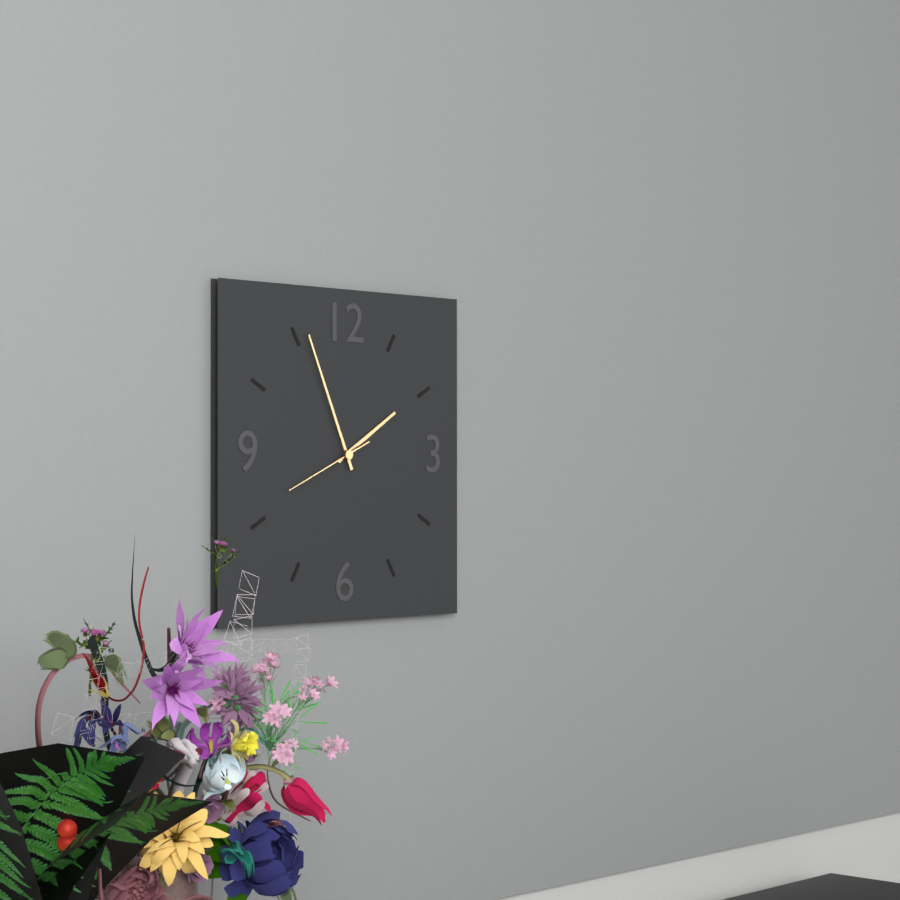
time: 1:56:41
